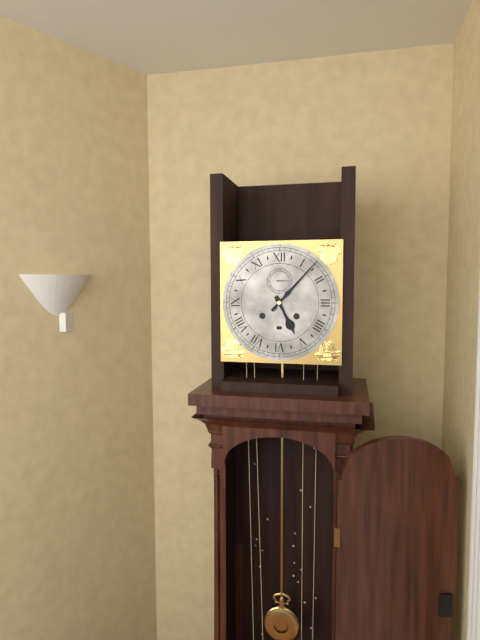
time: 5:07
